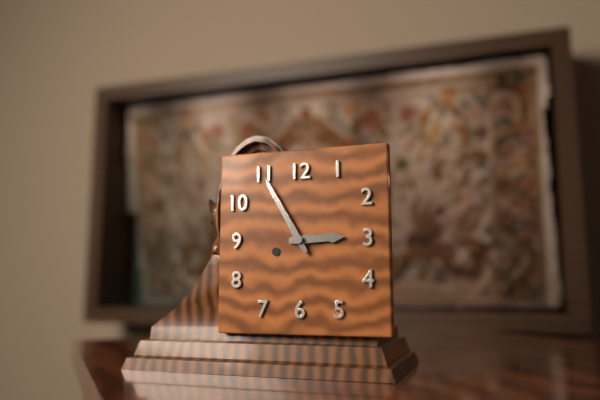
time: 2:55
